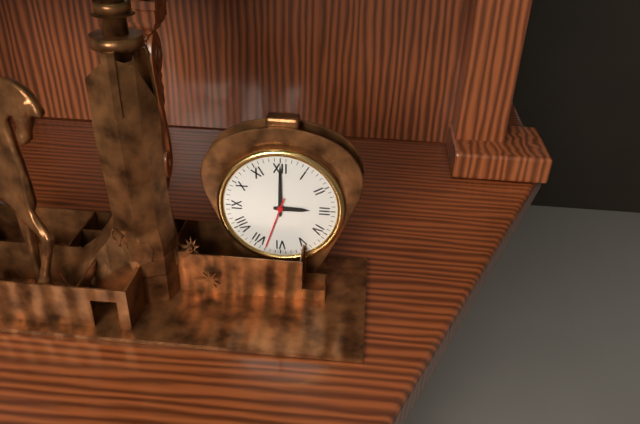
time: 3:00:33
